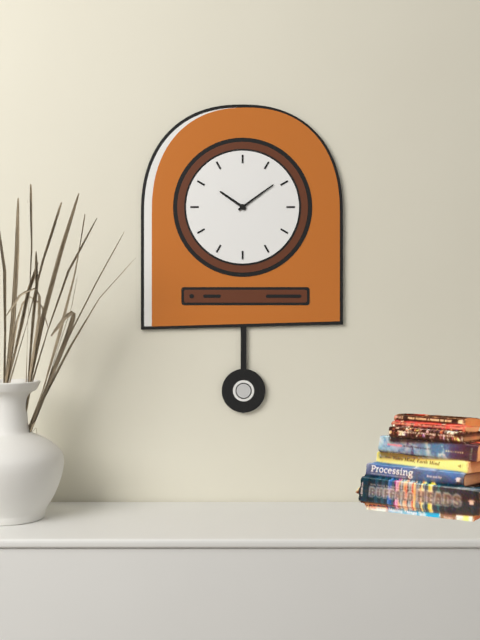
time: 10:09
